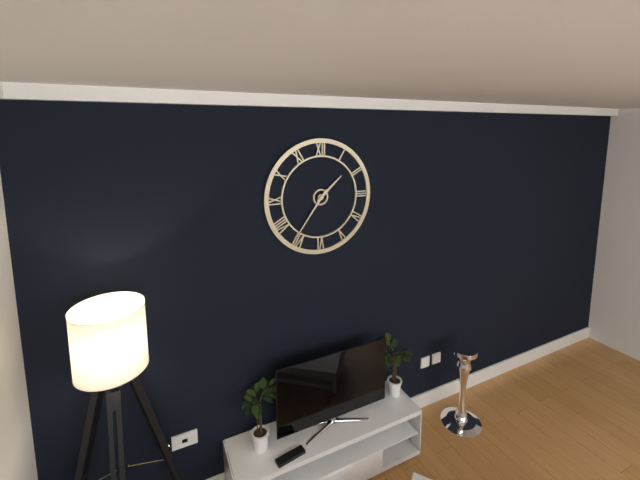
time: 1:36
